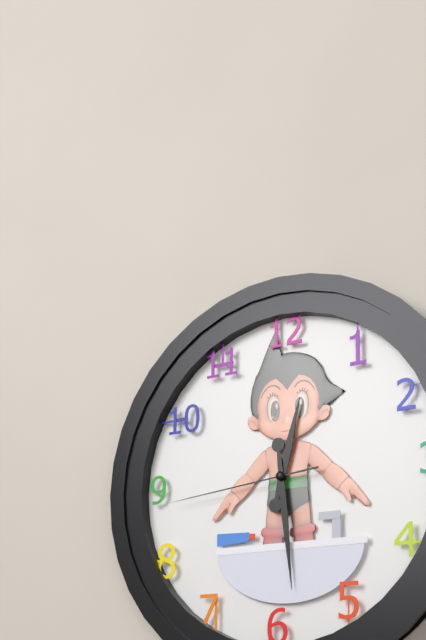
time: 12:29:44
